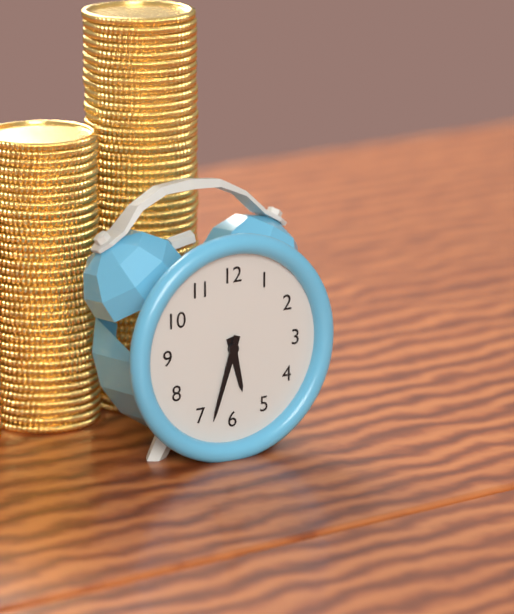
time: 5:33
